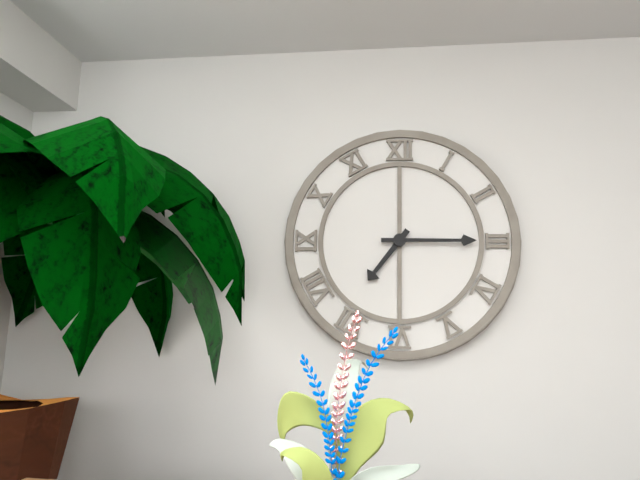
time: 7:15
